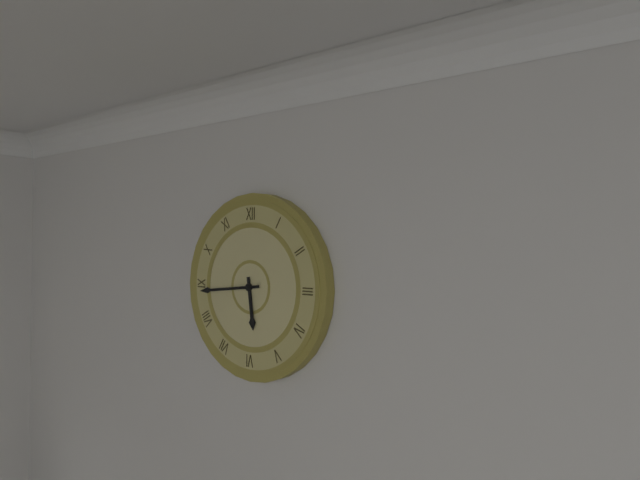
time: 5:44
